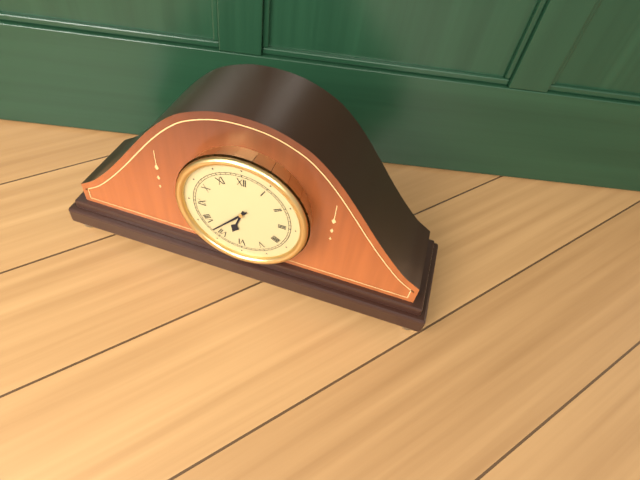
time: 6:37
